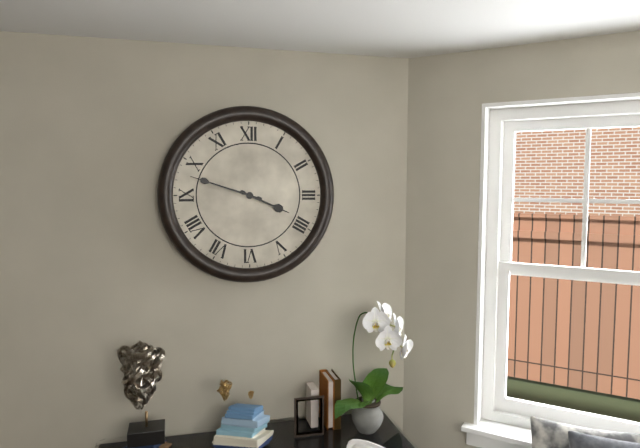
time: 3:48
